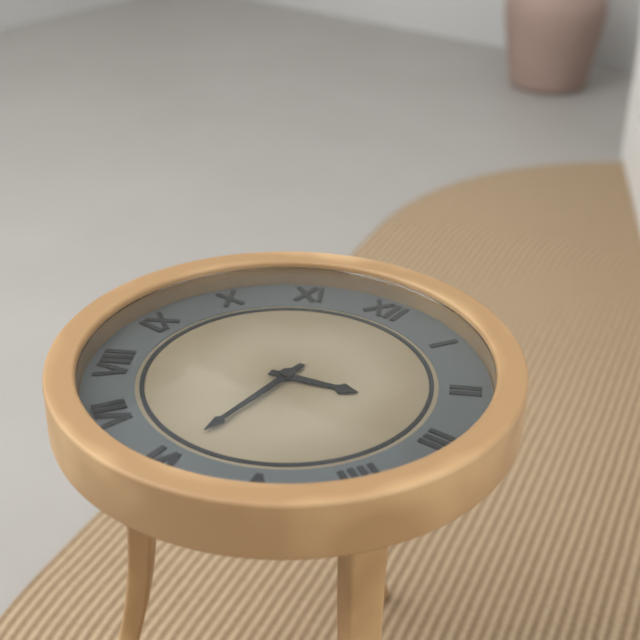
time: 2:30
